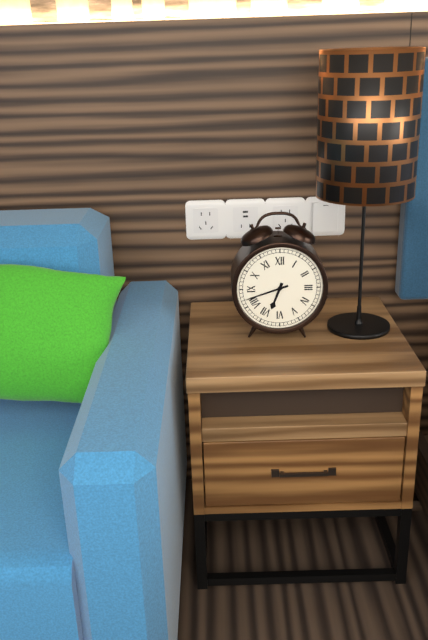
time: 6:42
